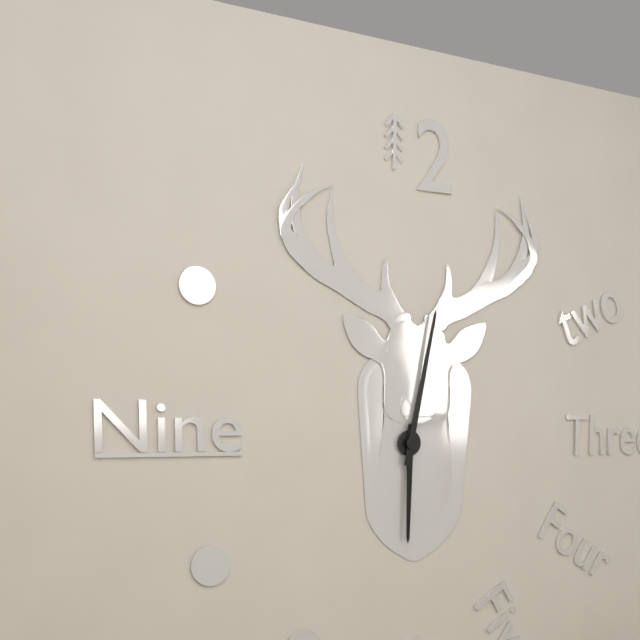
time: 6:02
